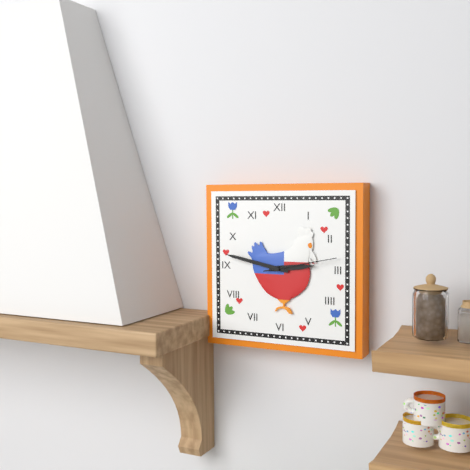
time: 2:47:13
